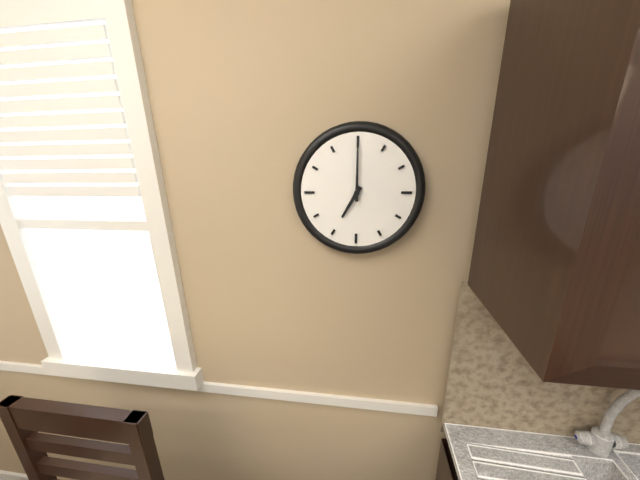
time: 7:00
